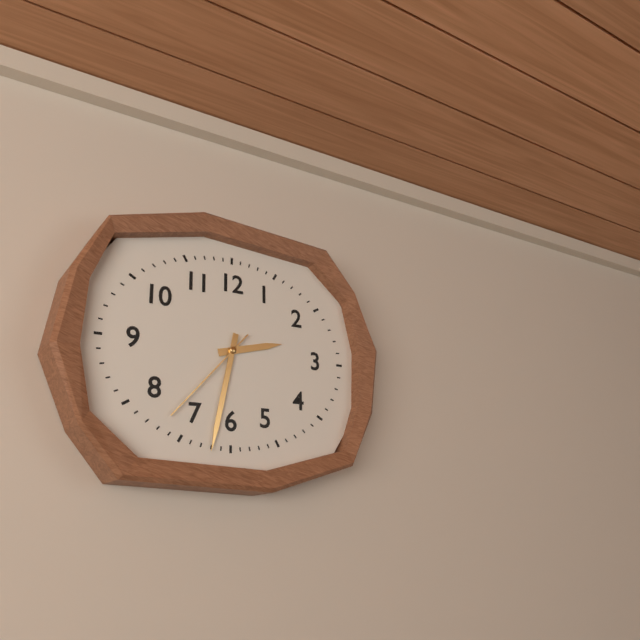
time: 2:32:37
